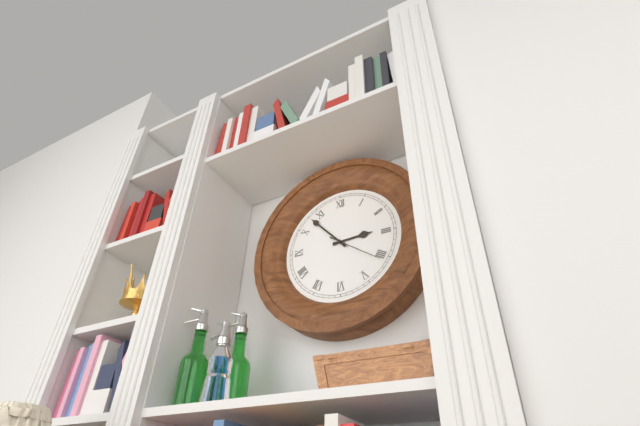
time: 2:53:21
